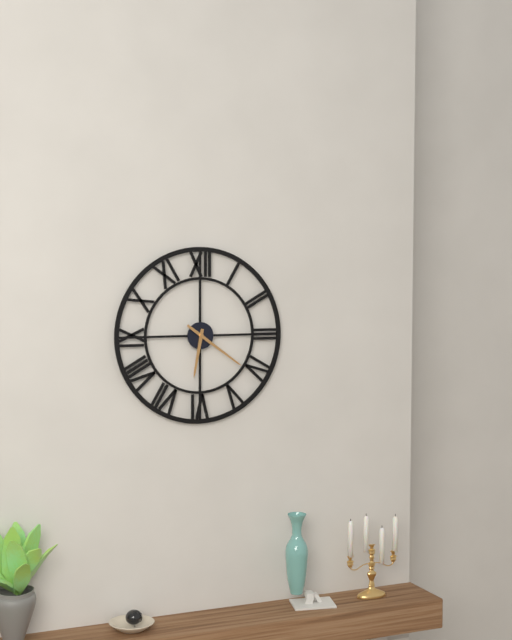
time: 6:21
